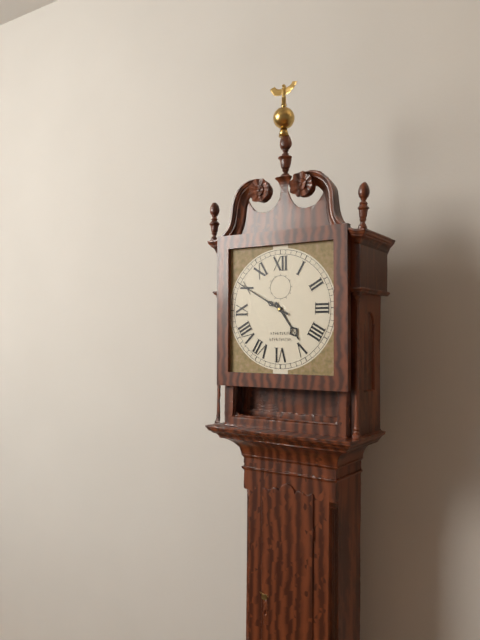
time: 4:50
